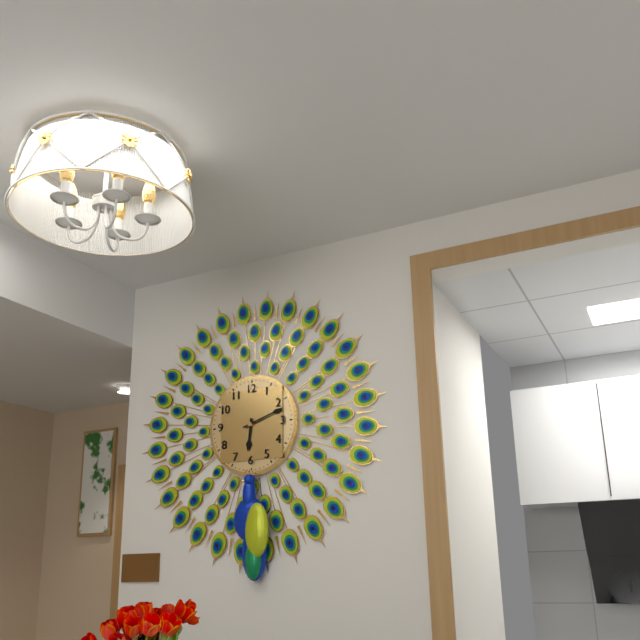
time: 6:12
